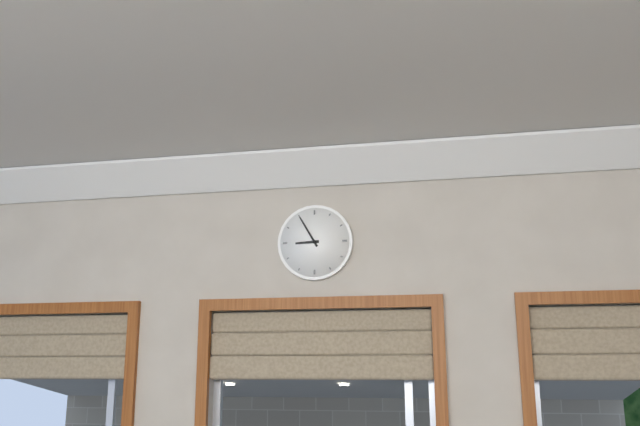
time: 8:55
